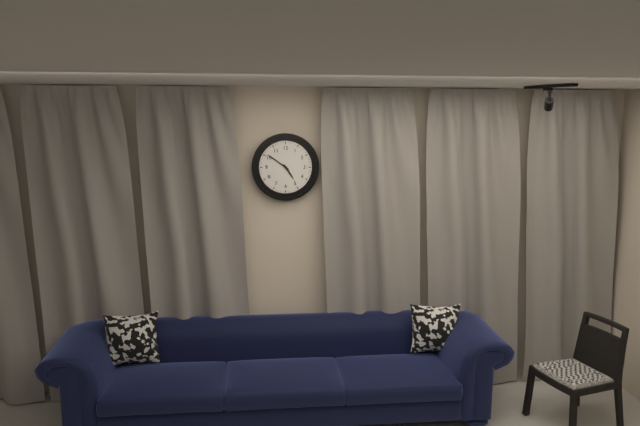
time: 4:51
